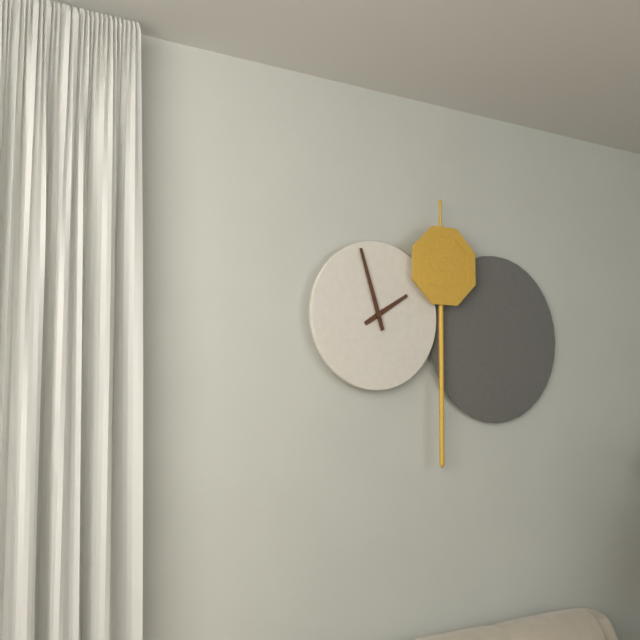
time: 1:57
